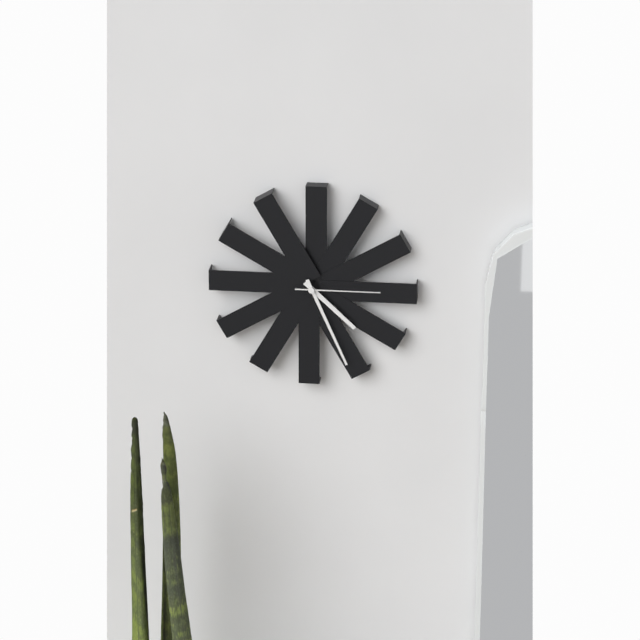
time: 4:26:15
